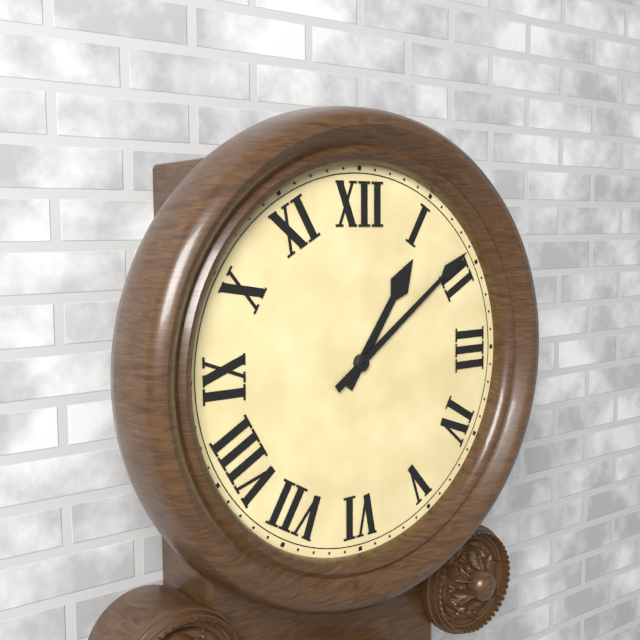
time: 1:09
